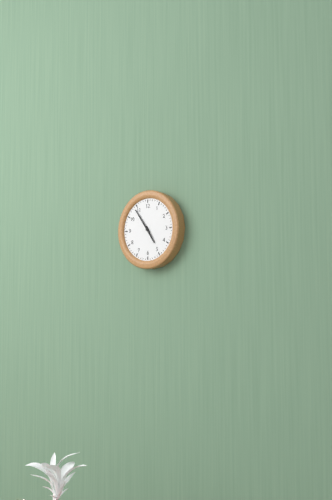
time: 4:54
